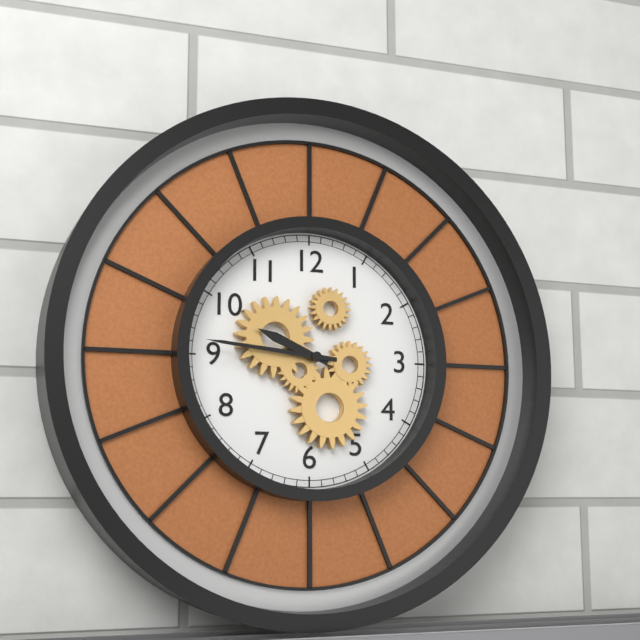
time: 9:46
